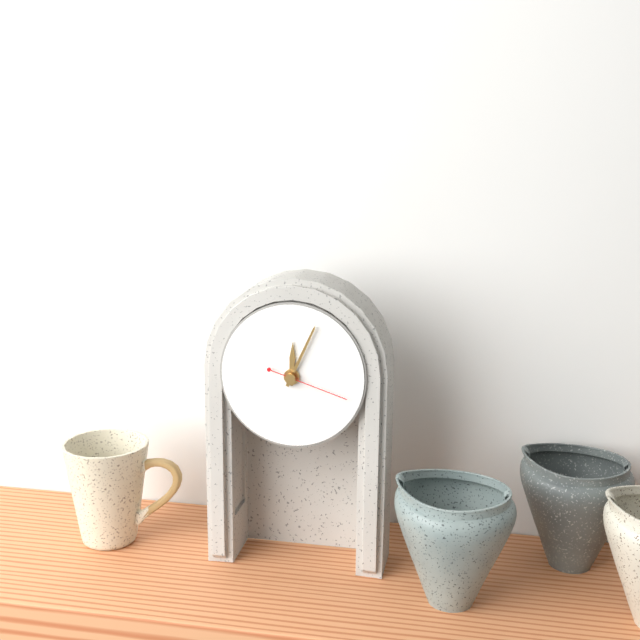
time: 12:04:18
